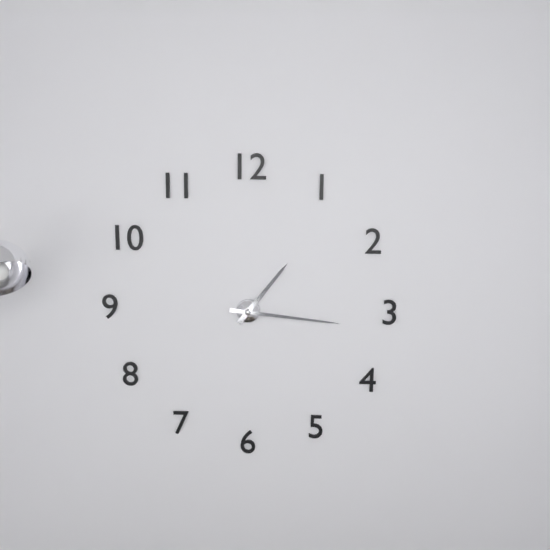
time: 1:16
